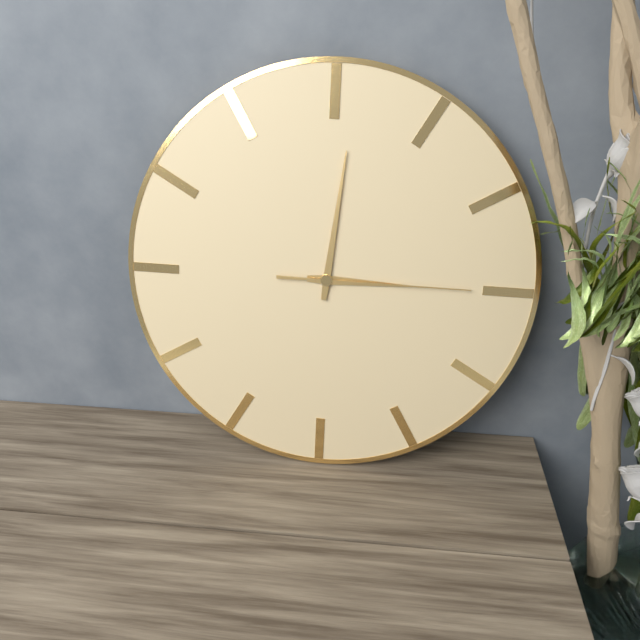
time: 3:01:15
